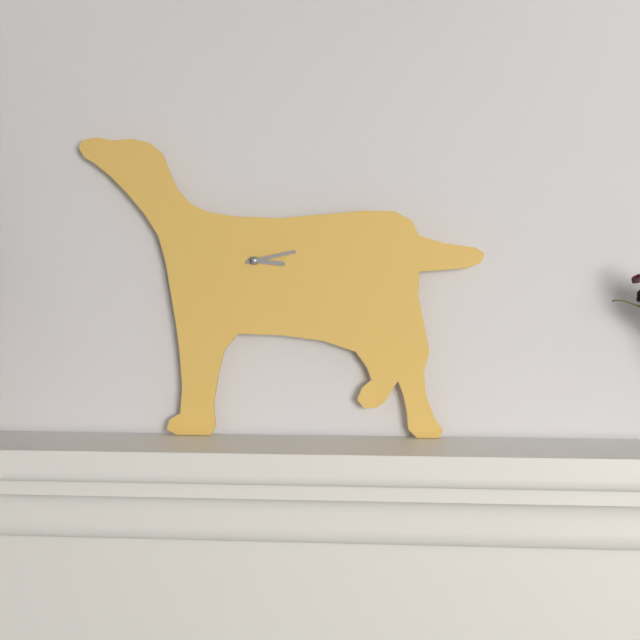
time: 3:13
